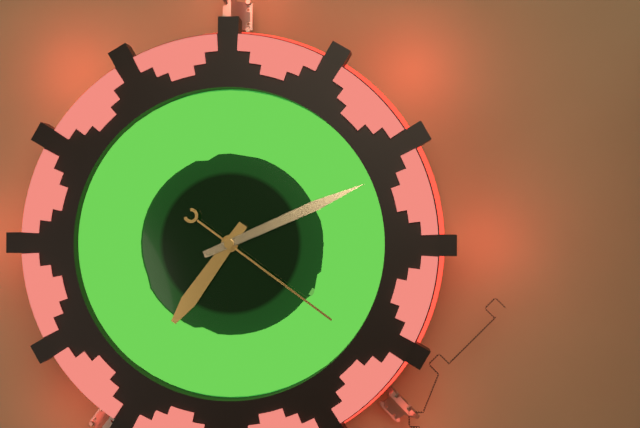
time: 7:11:21
